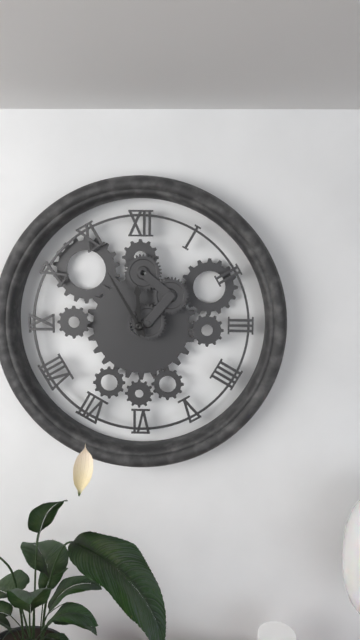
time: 11:55
